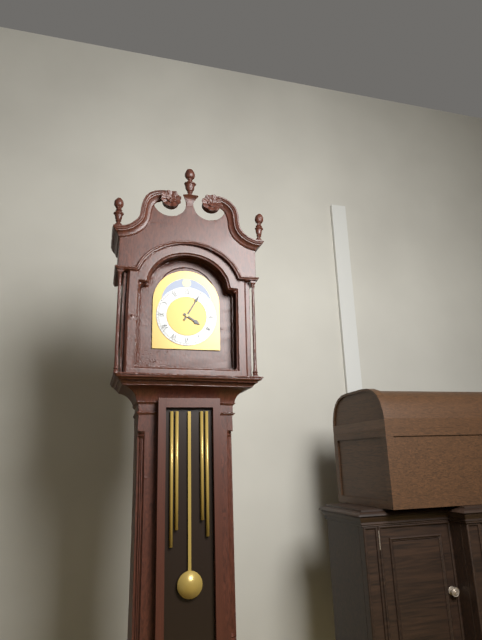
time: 4:05
